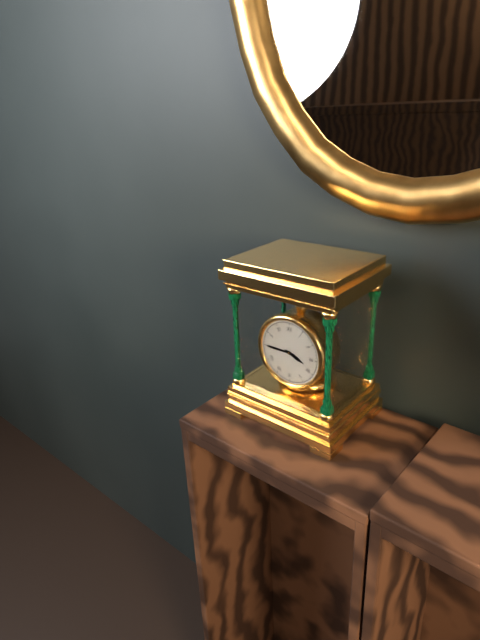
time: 3:45
